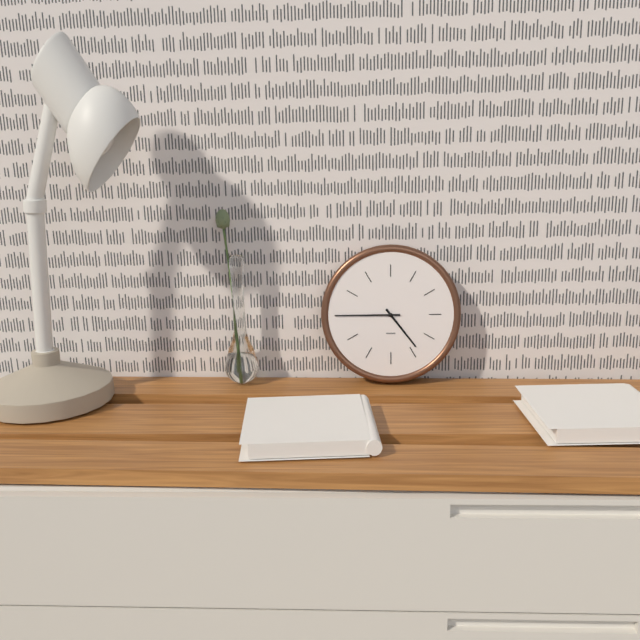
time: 4:45
